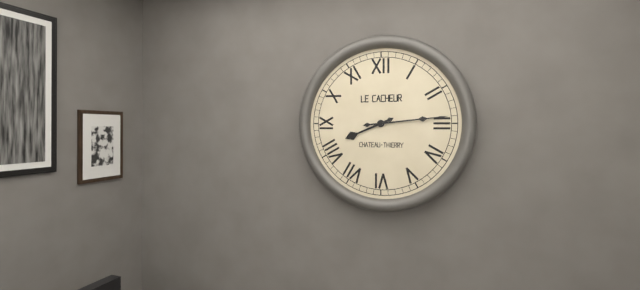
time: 8:14
